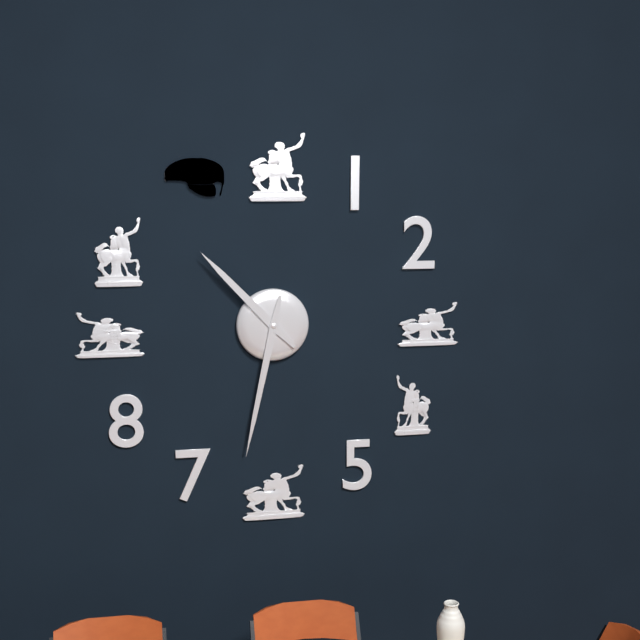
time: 10:32
